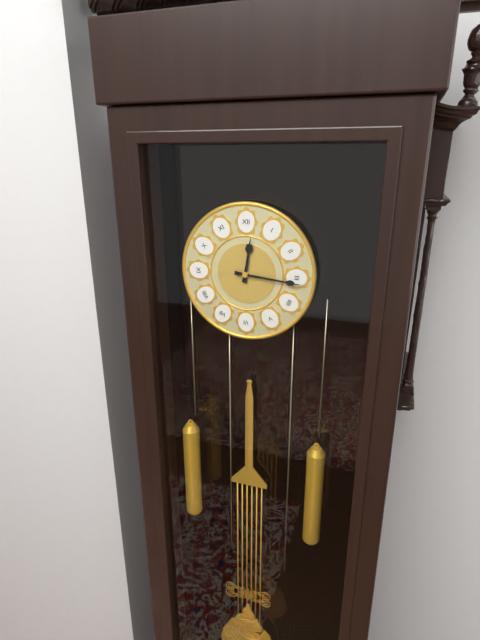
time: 12:16
